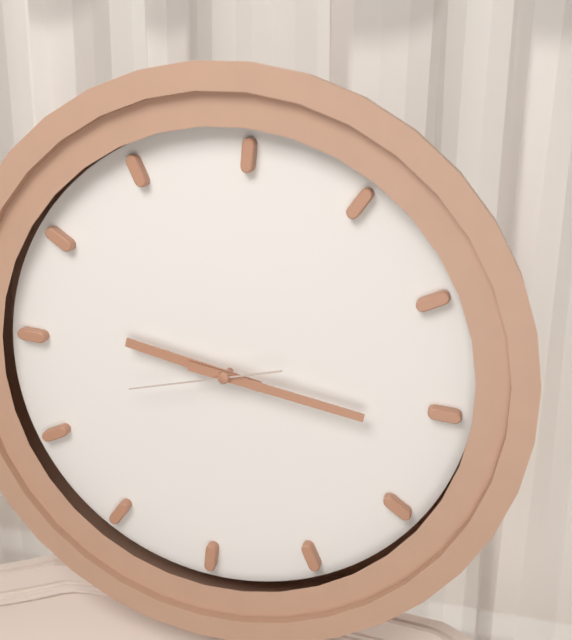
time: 9:16:42
